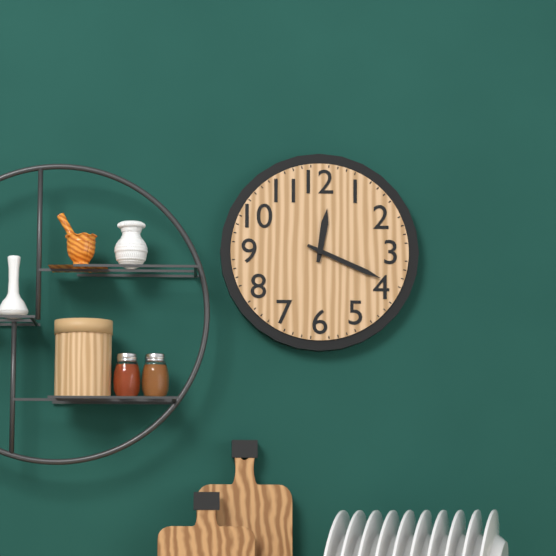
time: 12:19
